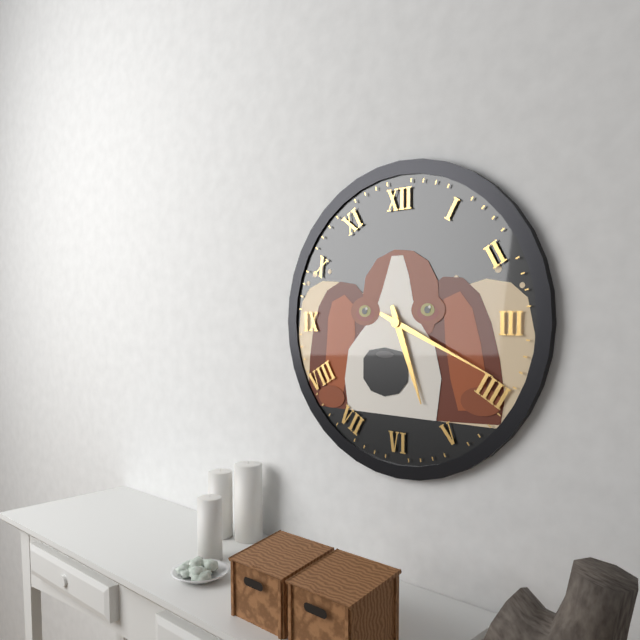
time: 5:19
